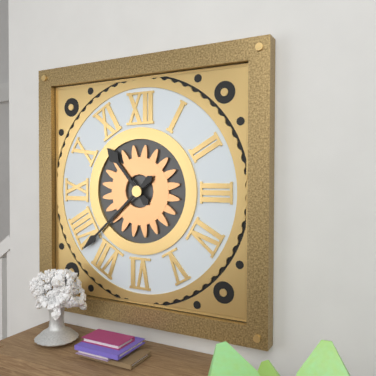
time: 10:38
